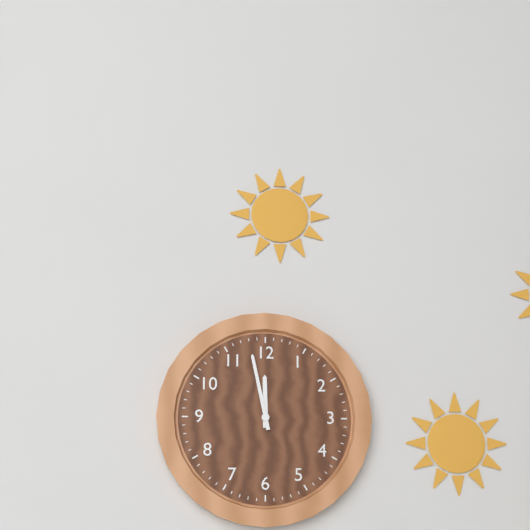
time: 11:58
